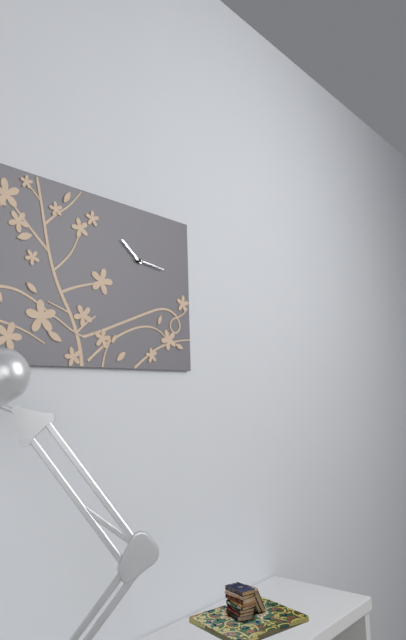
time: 10:16
